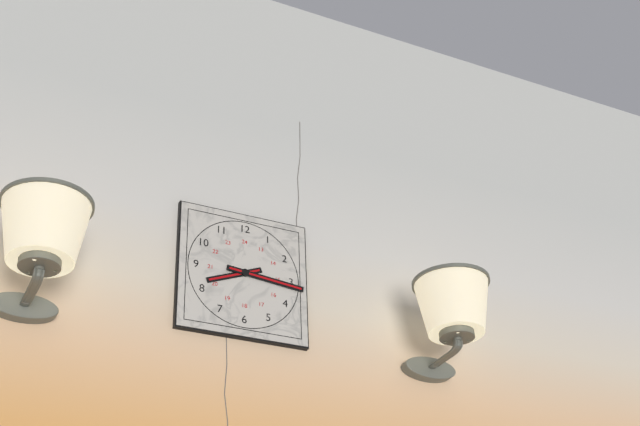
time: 8:16
